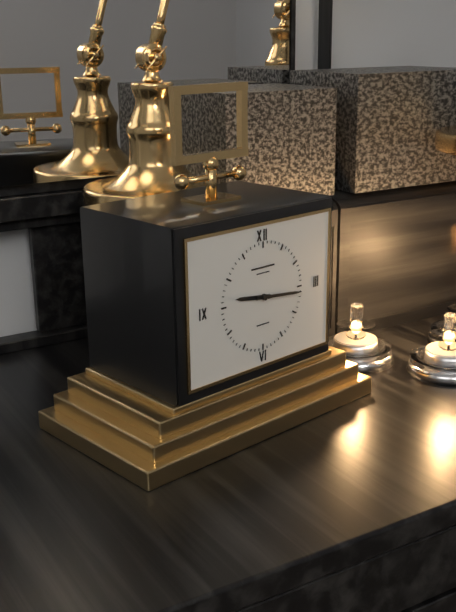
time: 9:16
